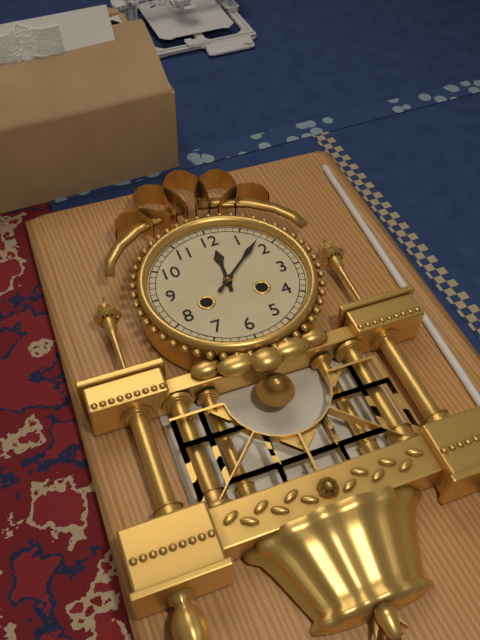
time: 12:08
